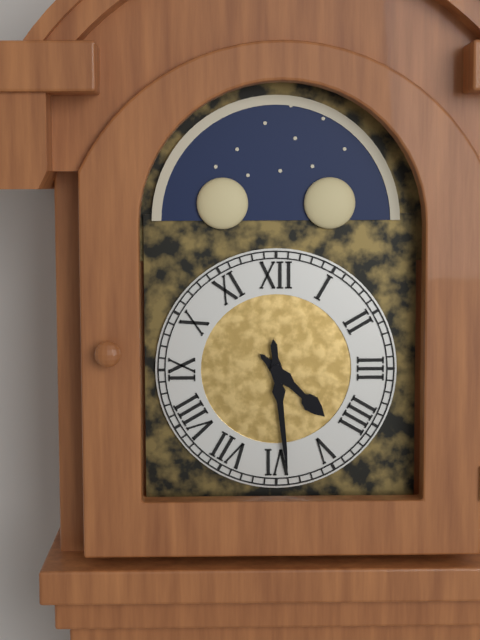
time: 4:29
